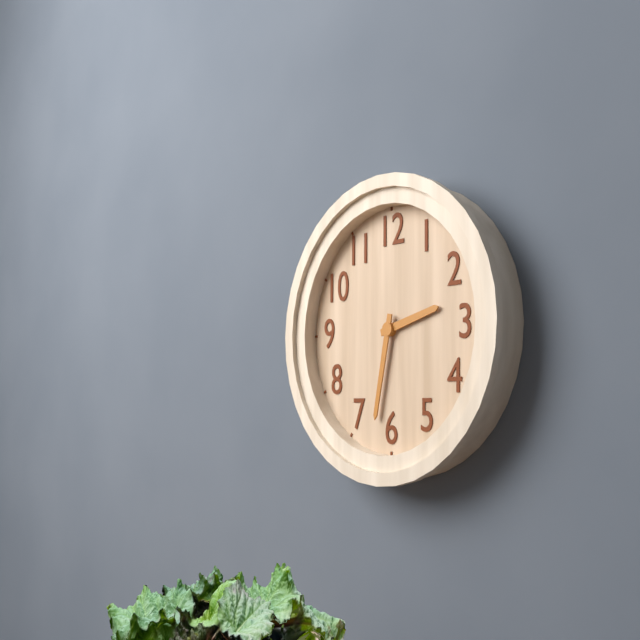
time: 2:32
